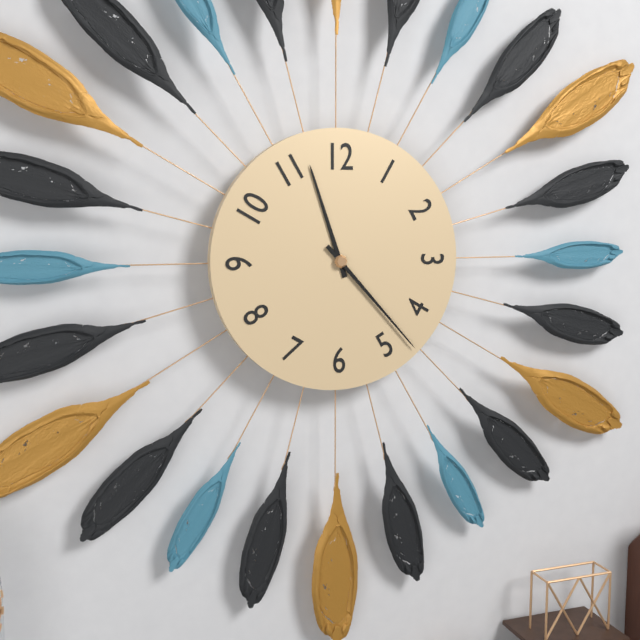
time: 11:23
